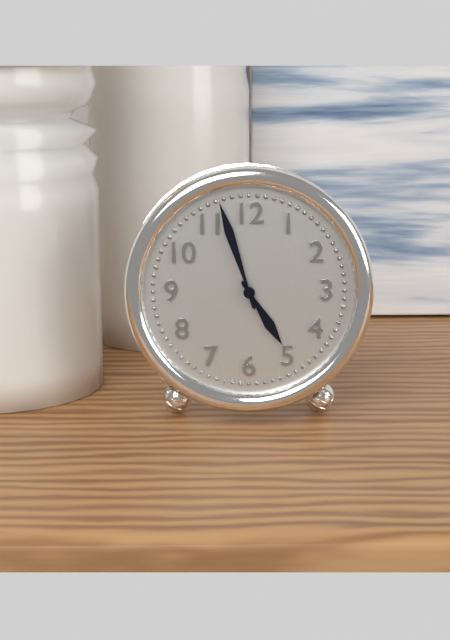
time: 4:57
